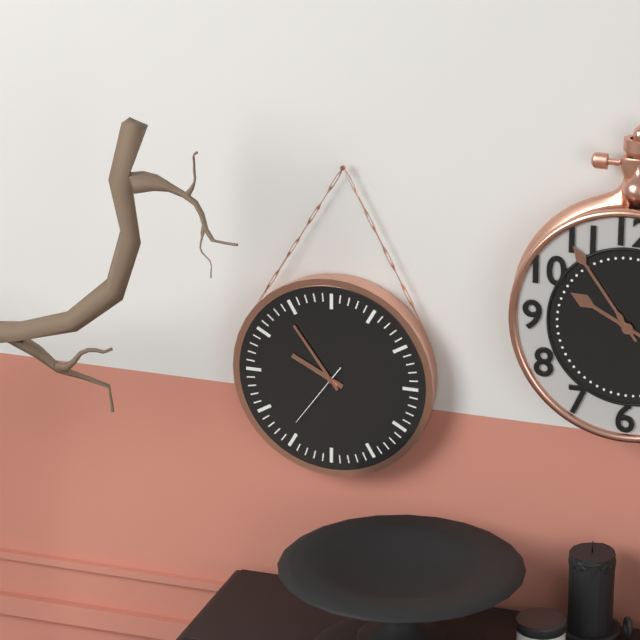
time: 9:54:36
